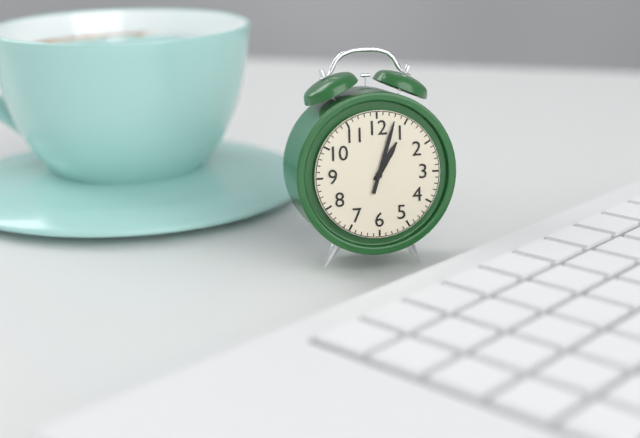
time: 1:03
